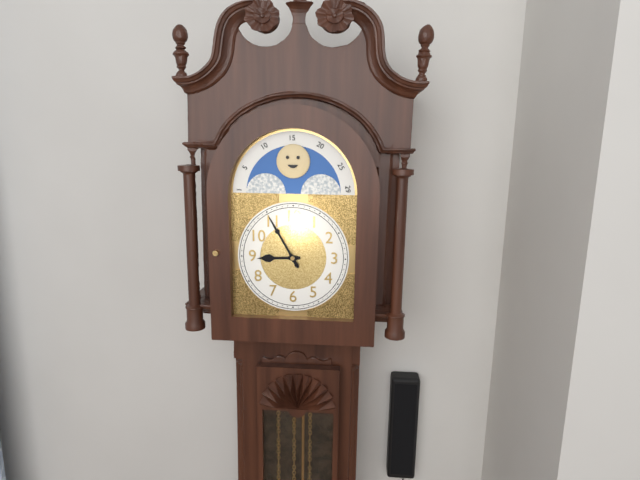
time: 8:55
